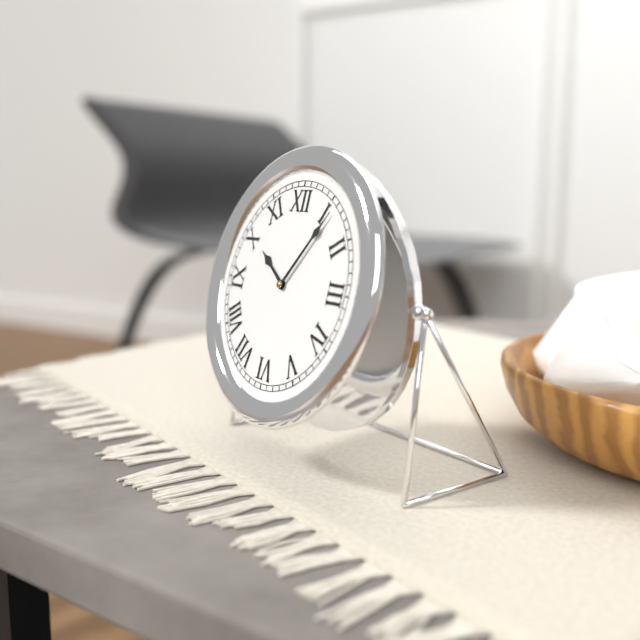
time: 10:06
